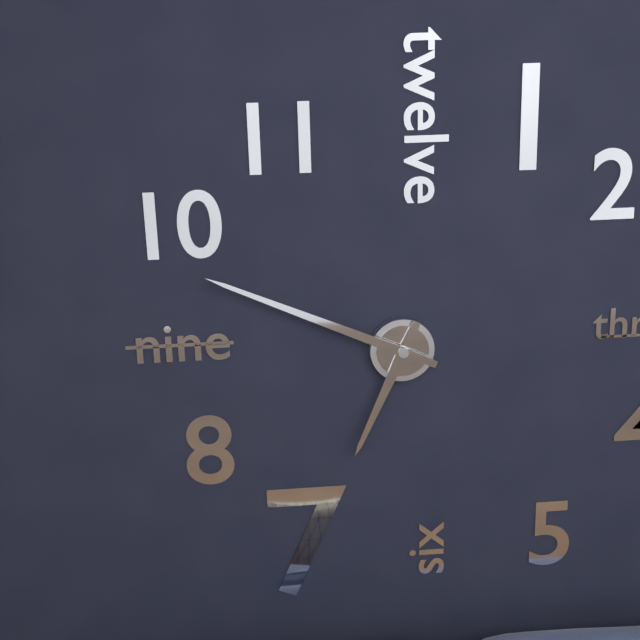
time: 6:49
